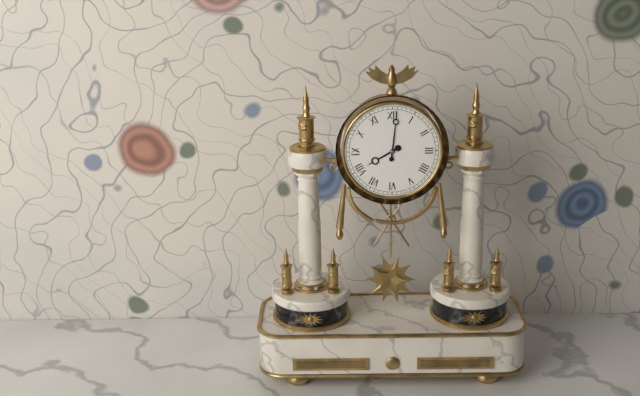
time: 8:01
